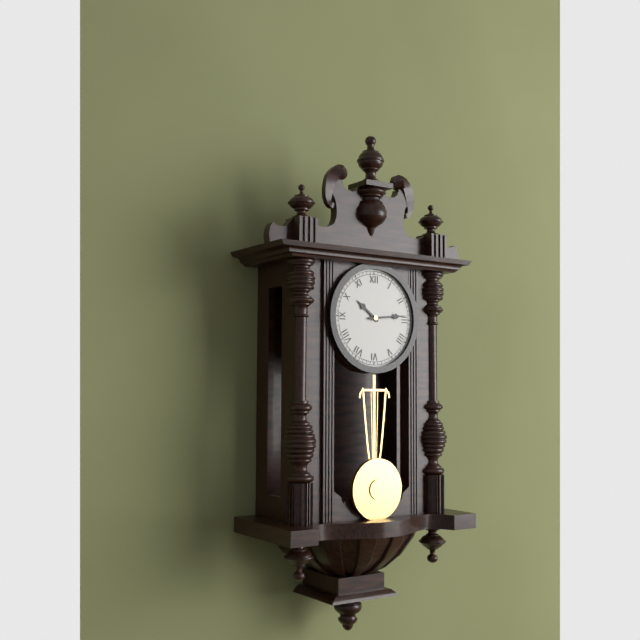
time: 10:14
